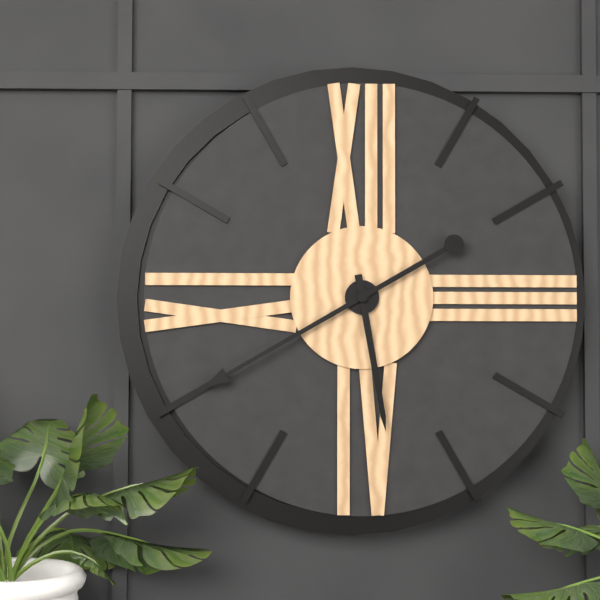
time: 5:40
